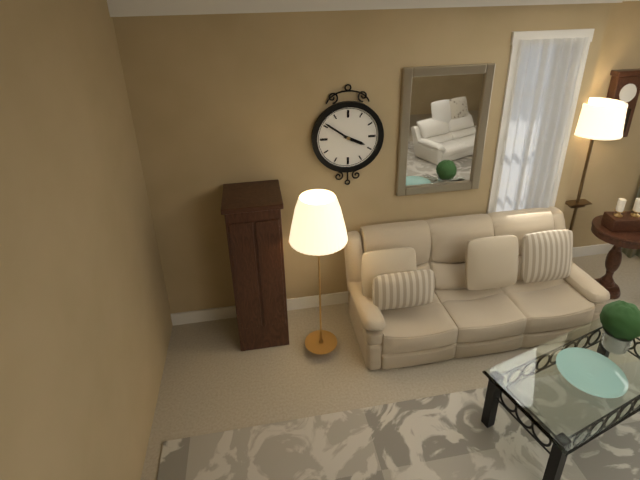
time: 3:51
